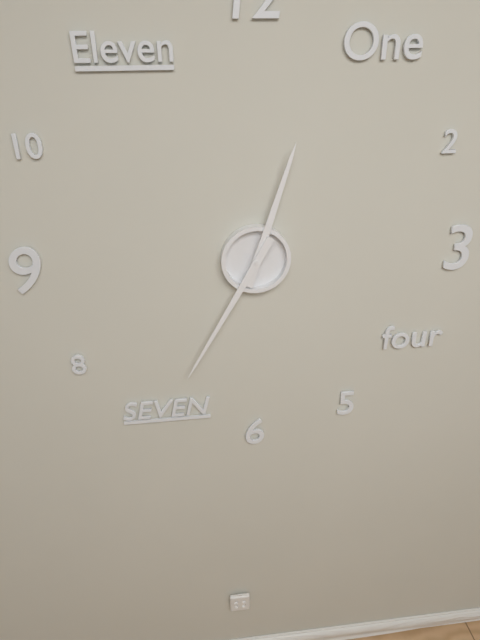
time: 12:35
